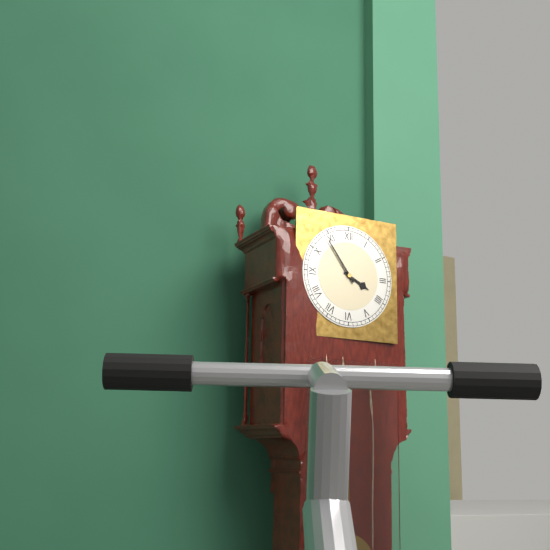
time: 3:54
